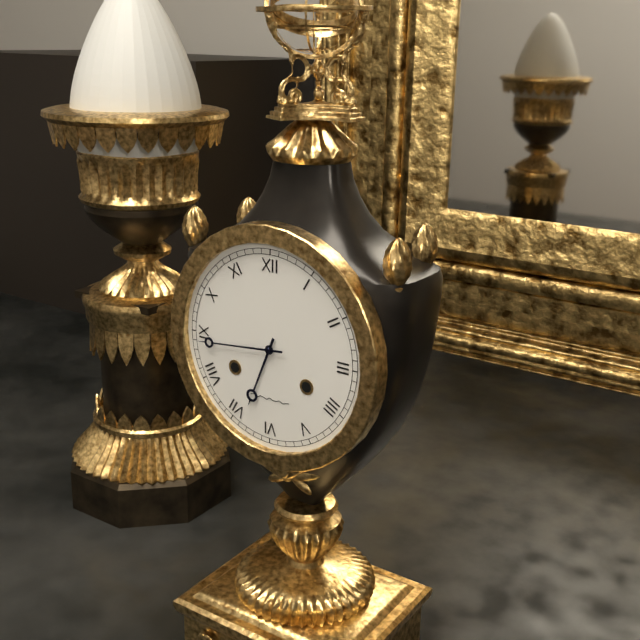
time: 6:44
